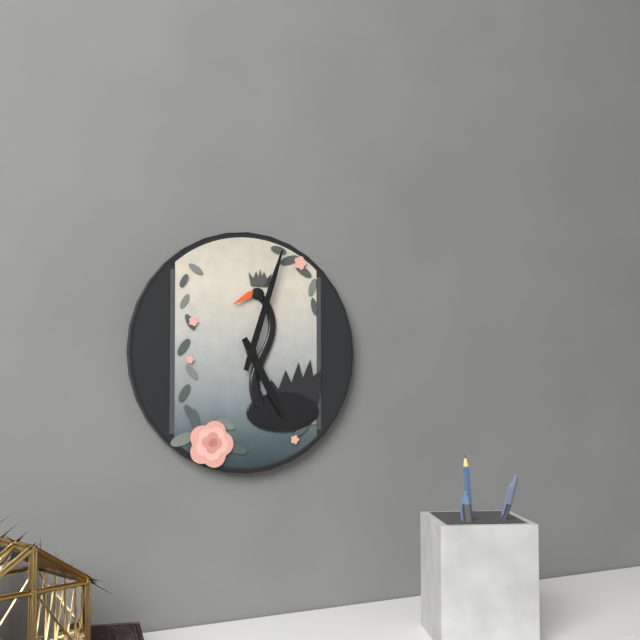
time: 5:03
